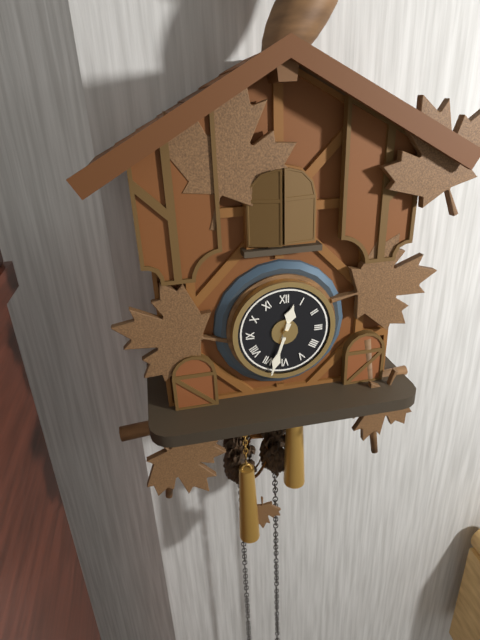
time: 12:33
